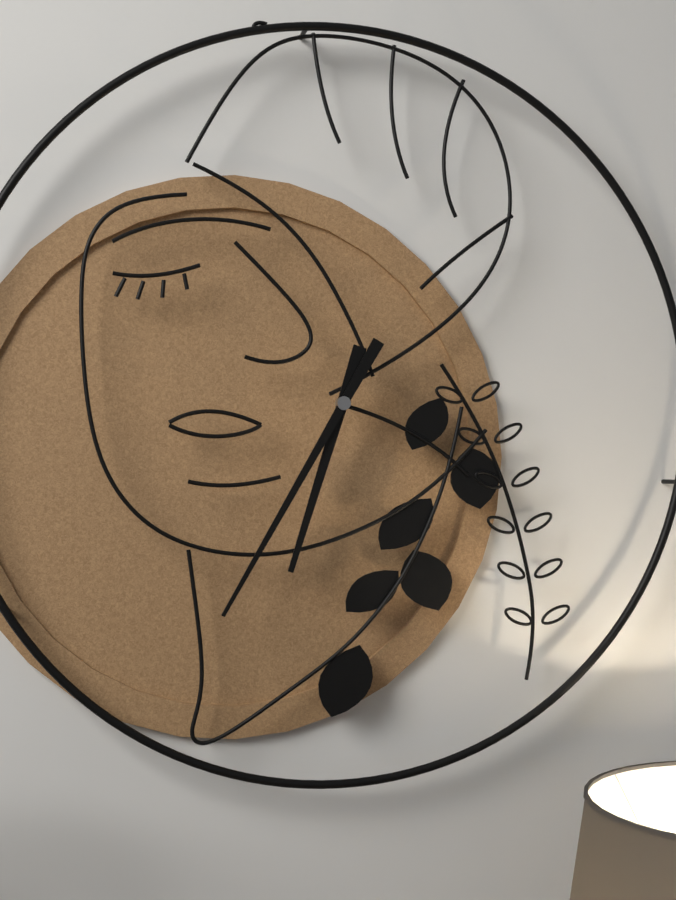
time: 6:35
